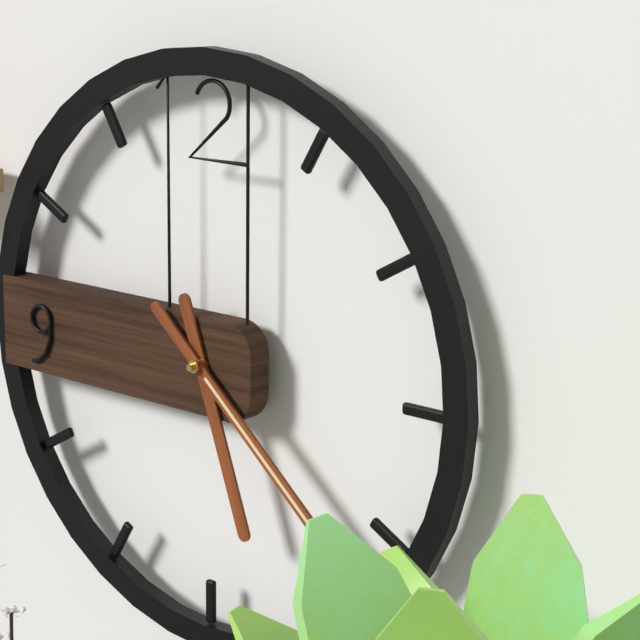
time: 5:22
